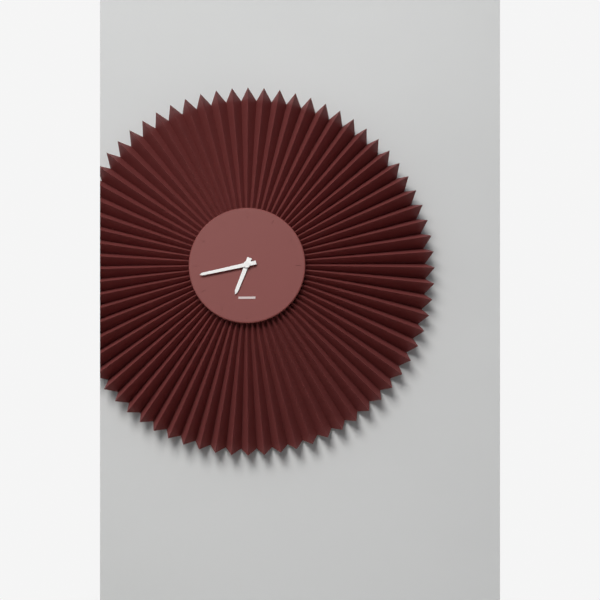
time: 6:43
